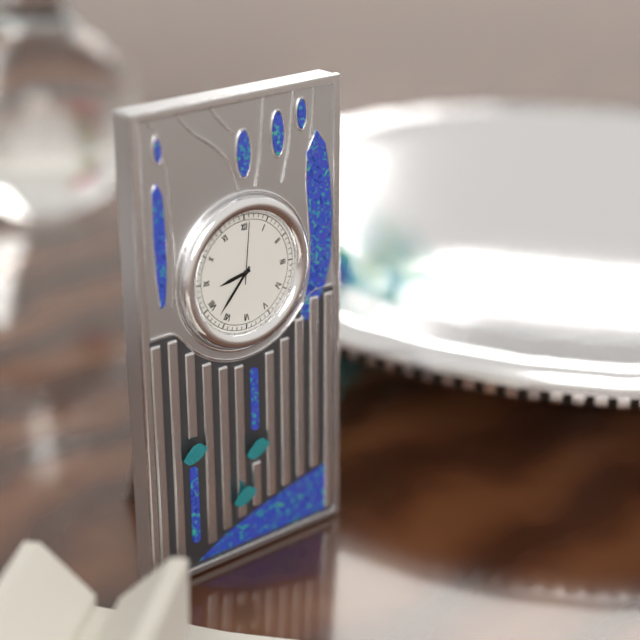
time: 8:37:01
